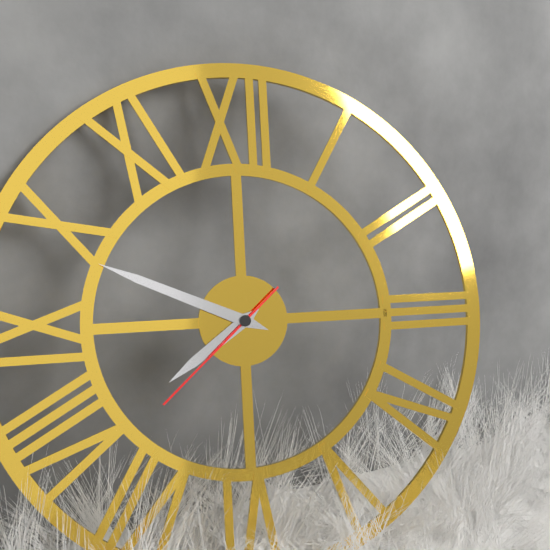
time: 7:49:38
